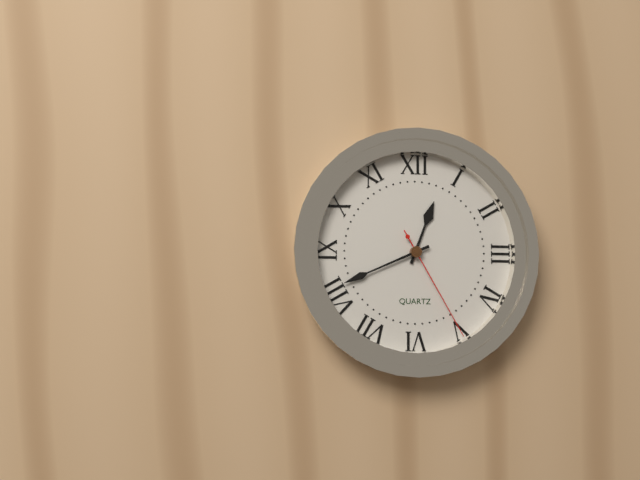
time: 12:41:25
